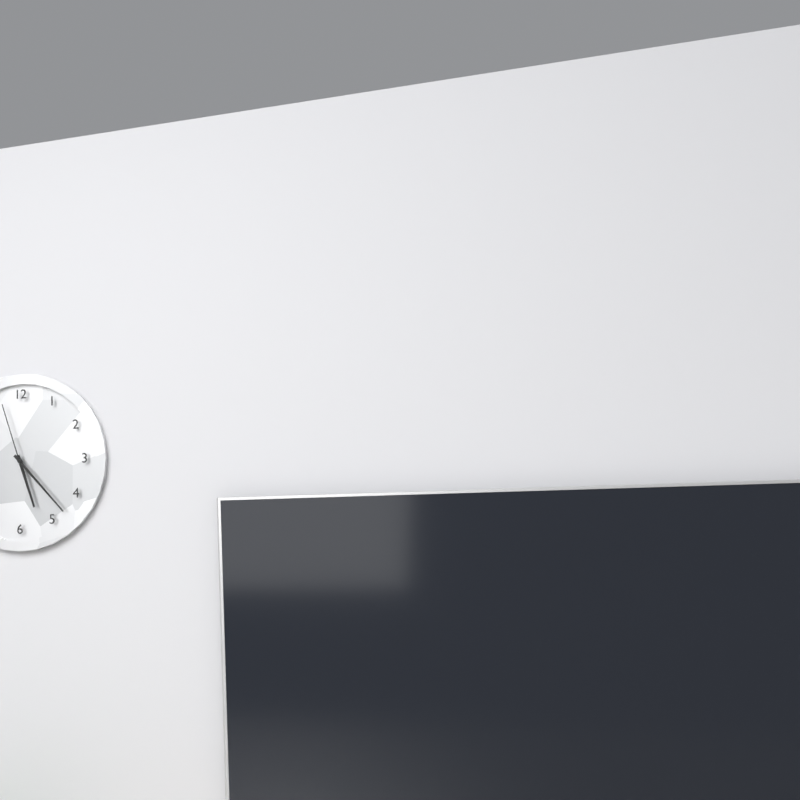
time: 5:23:57
